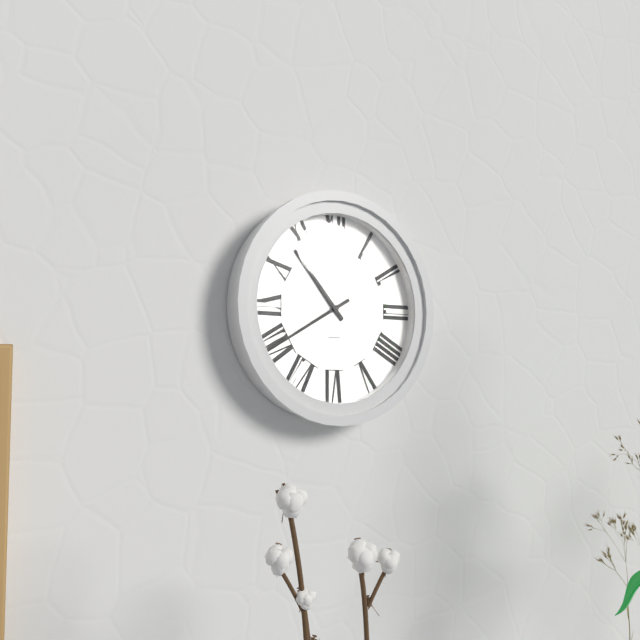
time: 10:40
